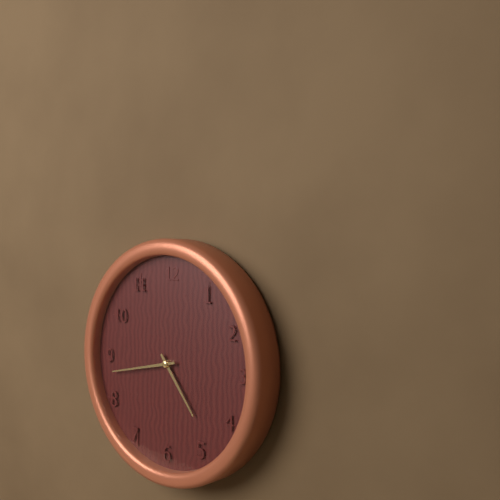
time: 4:43
